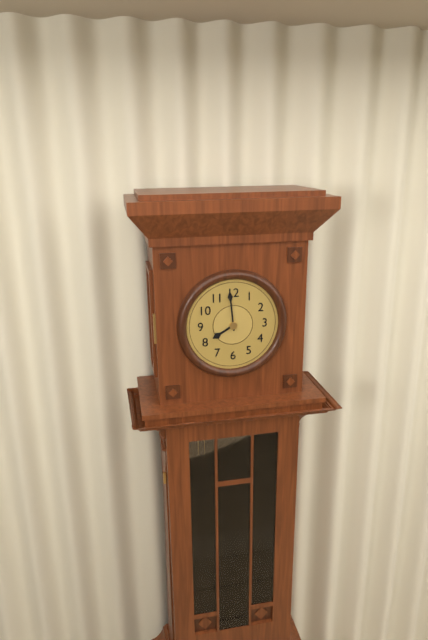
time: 7:59
